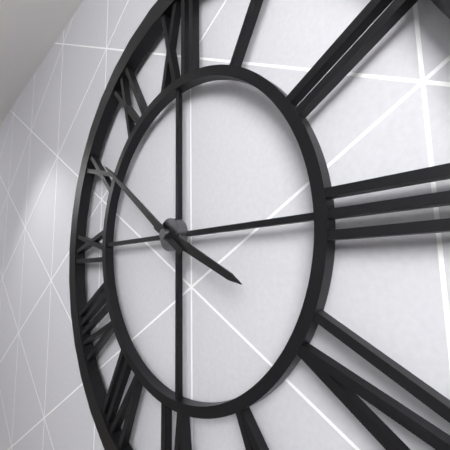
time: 3:51
